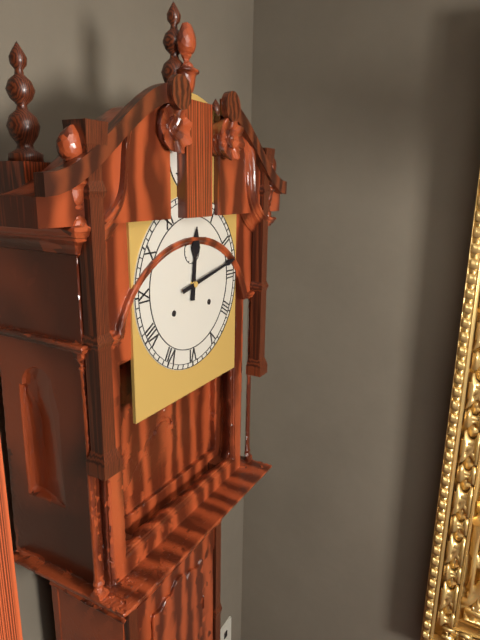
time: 12:13
